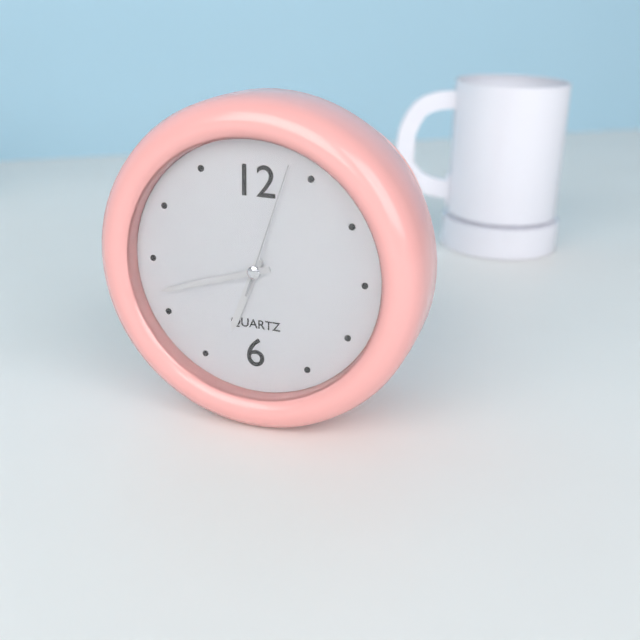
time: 6:42:03
